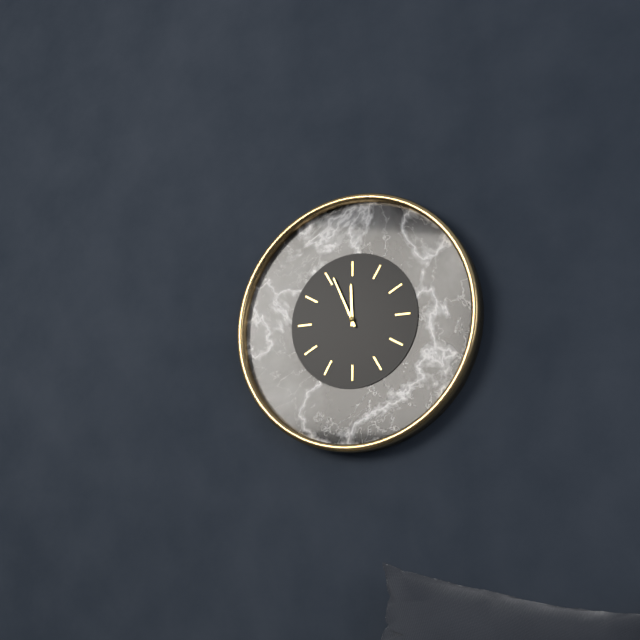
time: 11:56
